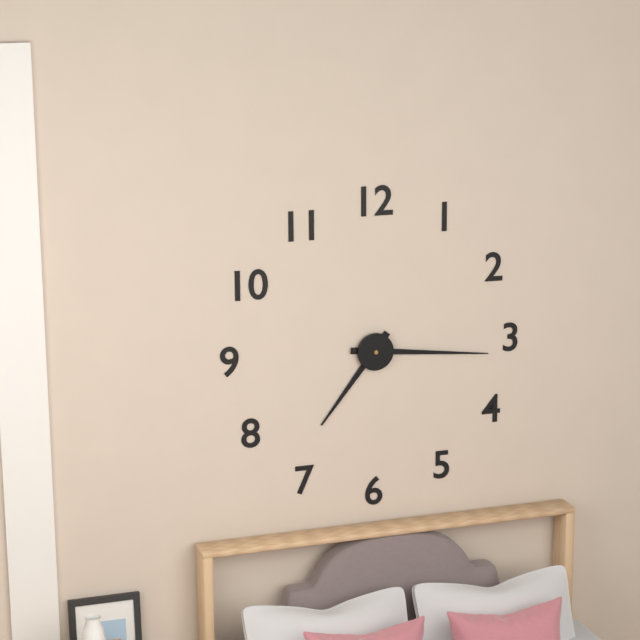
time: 7:16
